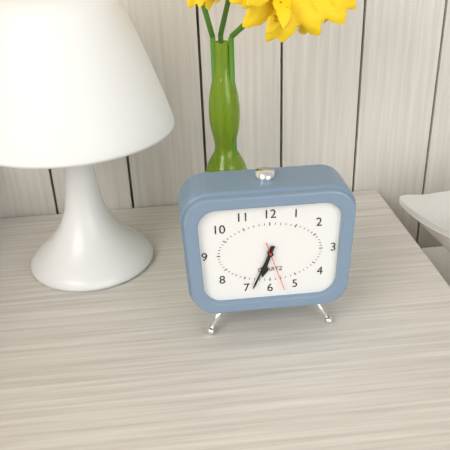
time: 6:34
